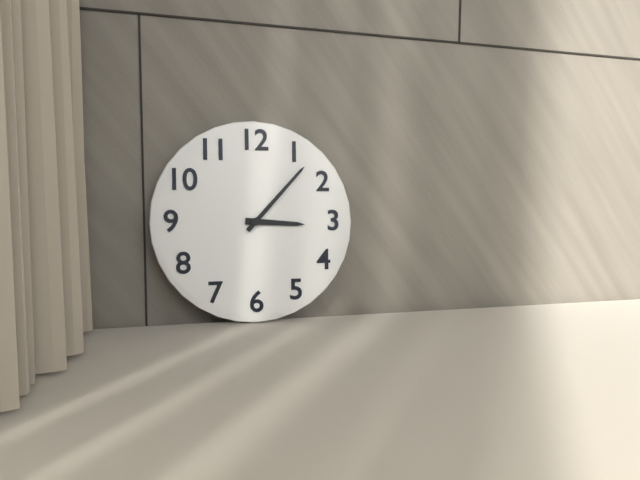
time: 3:07
